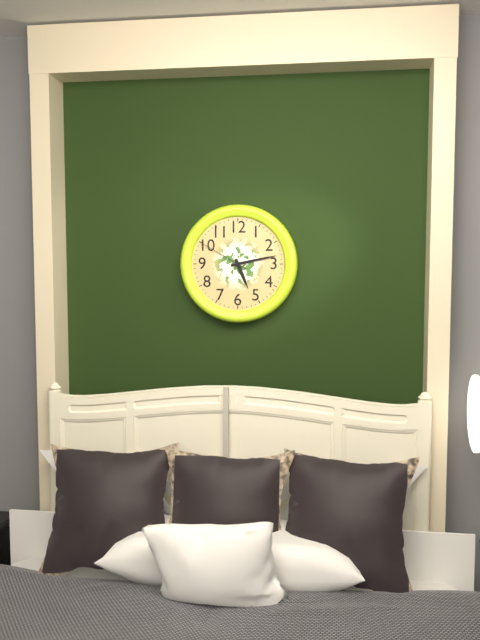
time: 5:13:50
